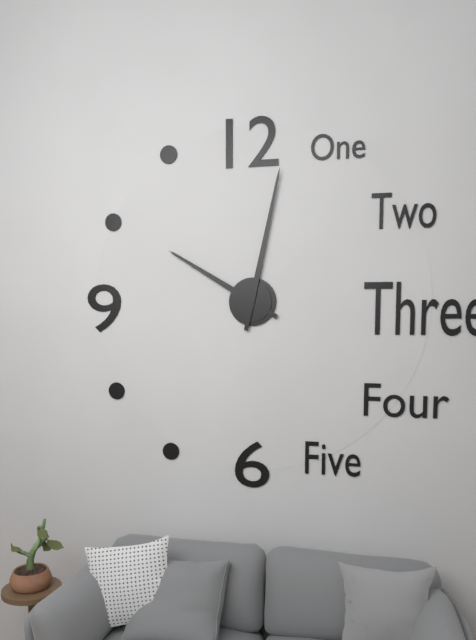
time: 10:02
